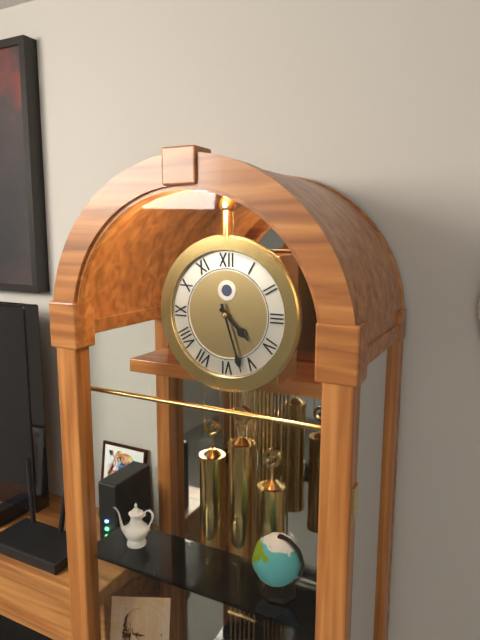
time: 4:27
